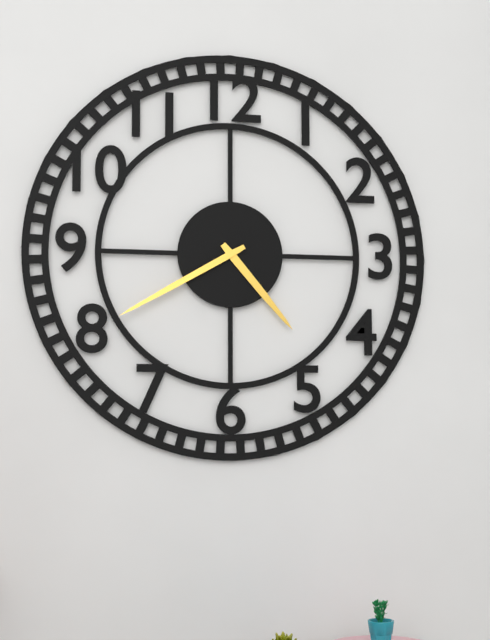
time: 4:40
